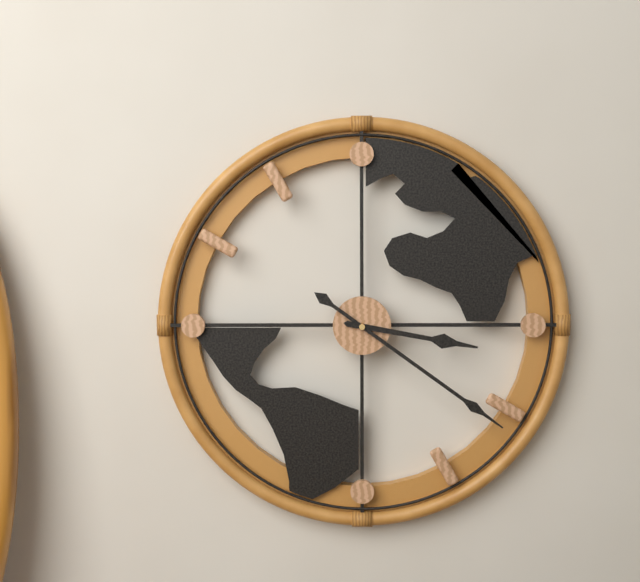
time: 3:21
